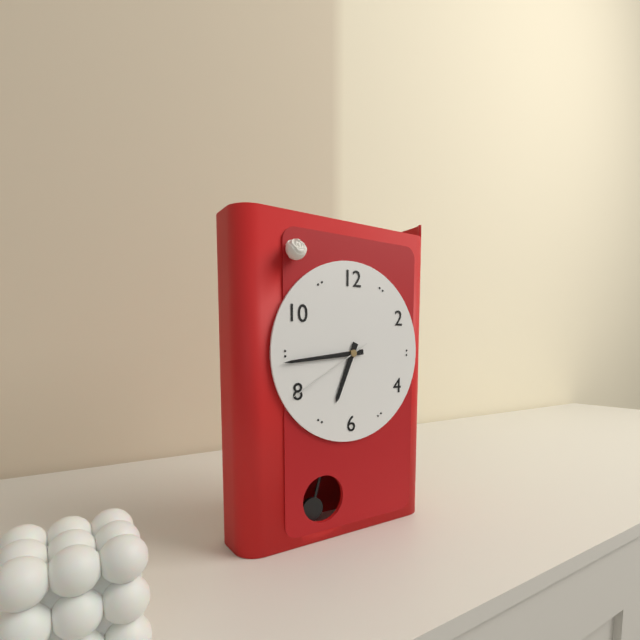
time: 6:44:40
